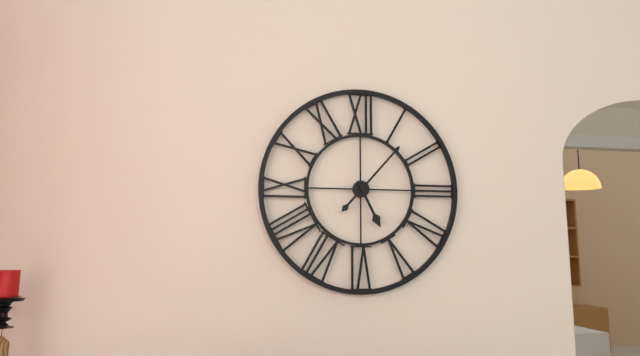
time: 5:07
